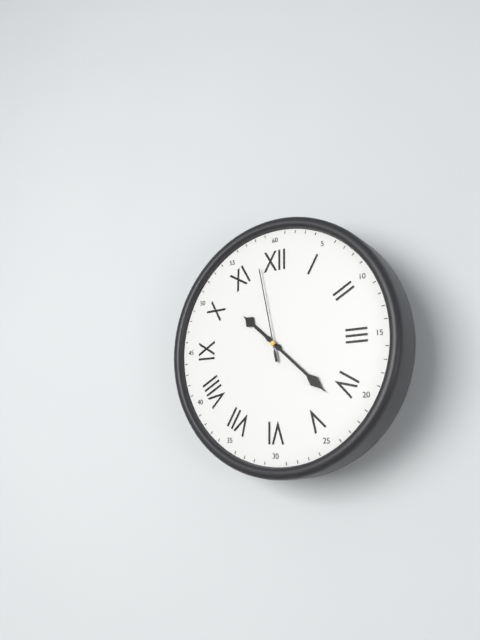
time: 10:22:58
